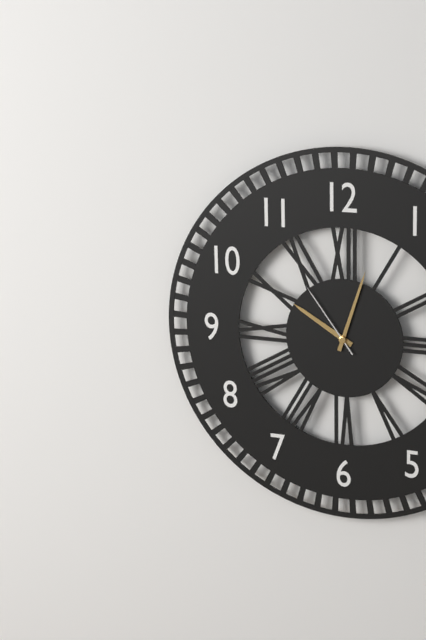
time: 10:03:54
